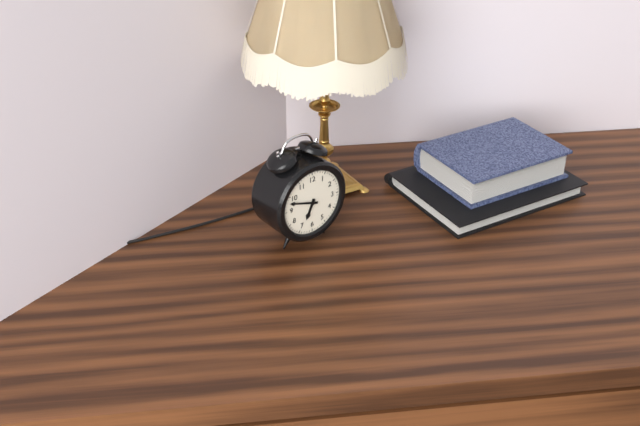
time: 6:48
